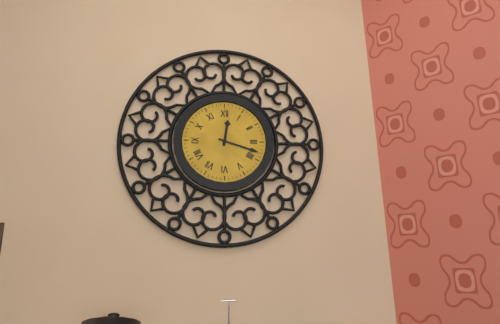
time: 12:18
